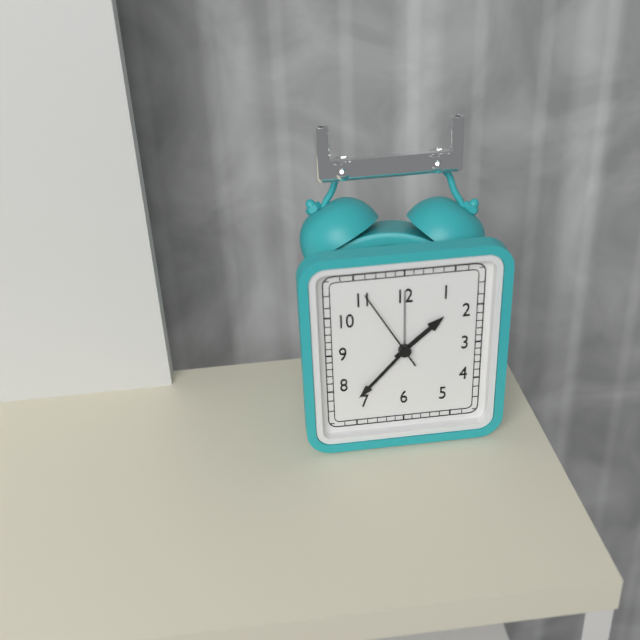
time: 1:37
